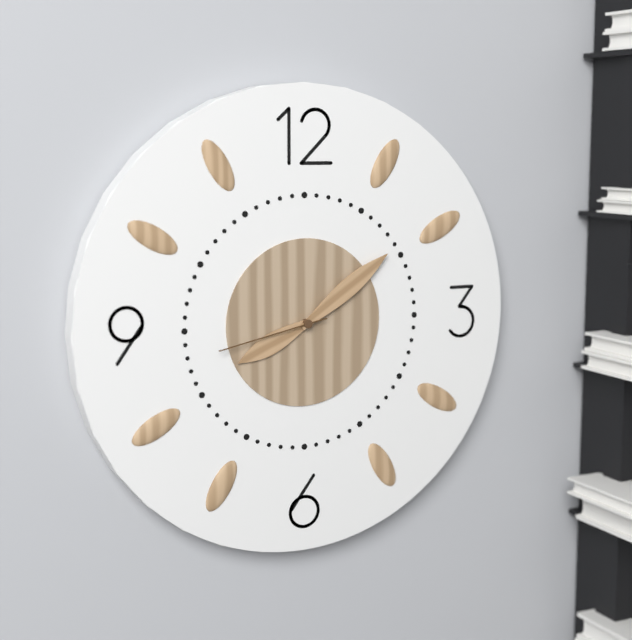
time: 8:09:43
